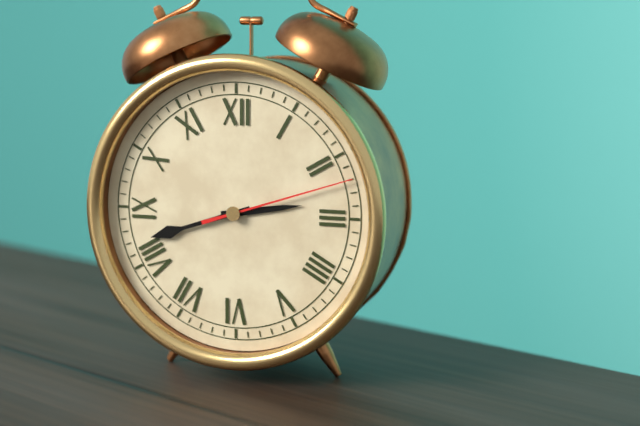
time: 2:42:12
